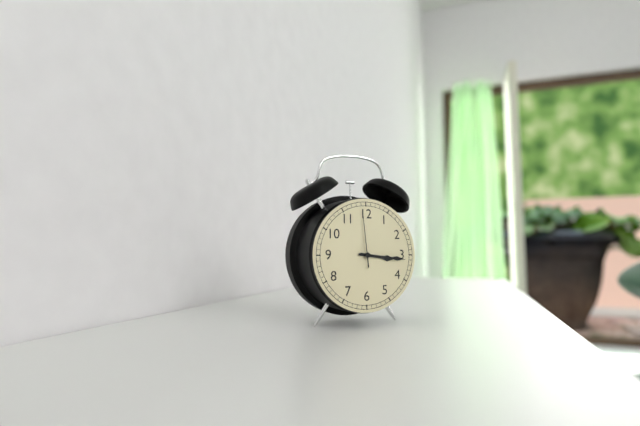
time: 3:16:59
